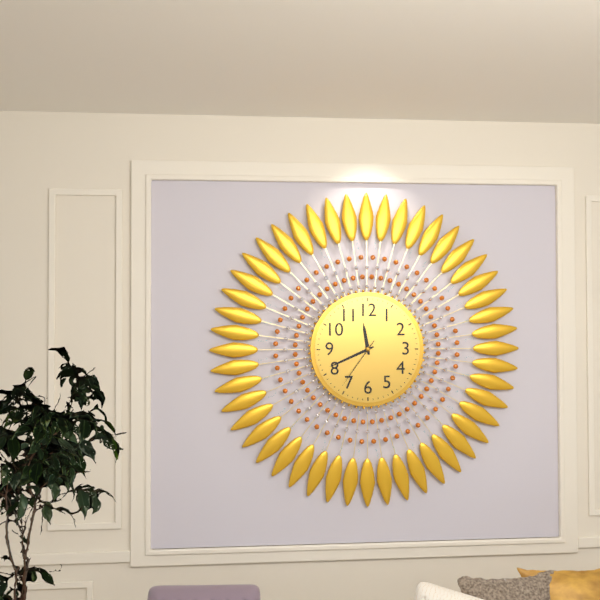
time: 11:41:36
